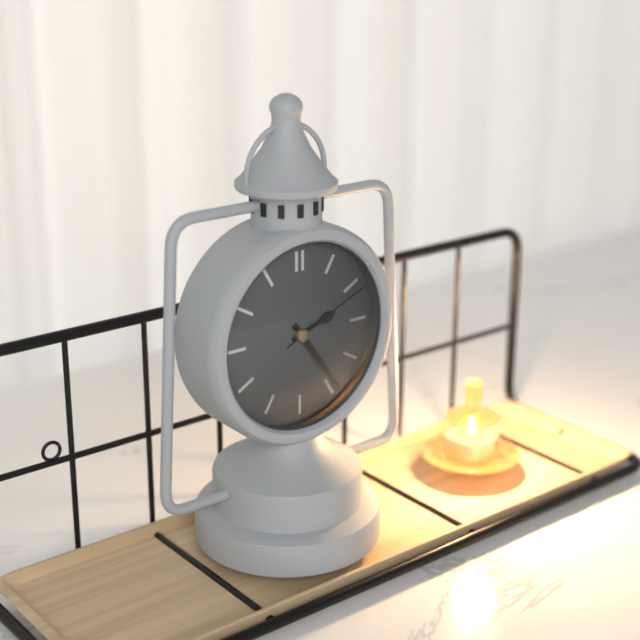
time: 2:24:11
